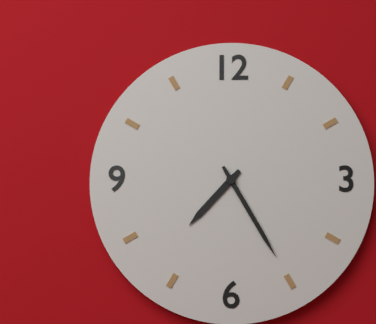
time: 7:25
